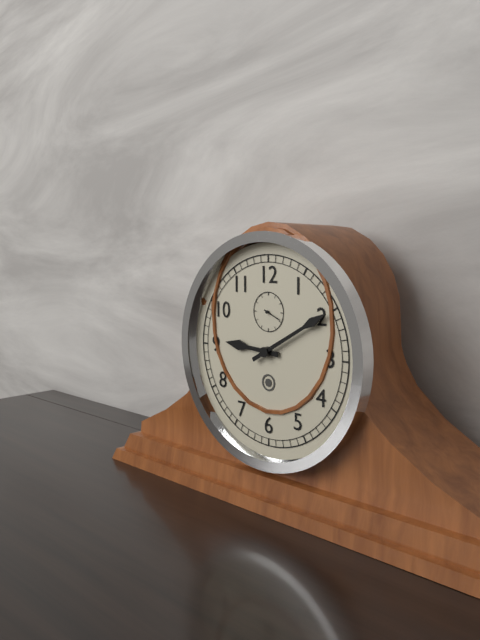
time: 9:10
